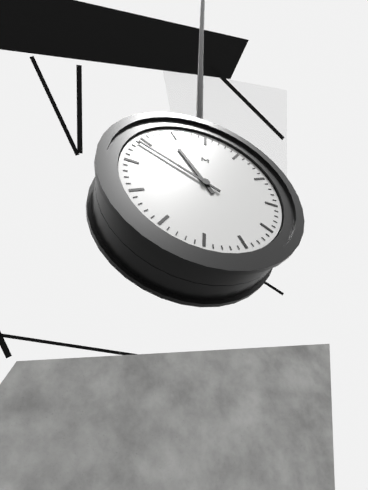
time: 10:49
